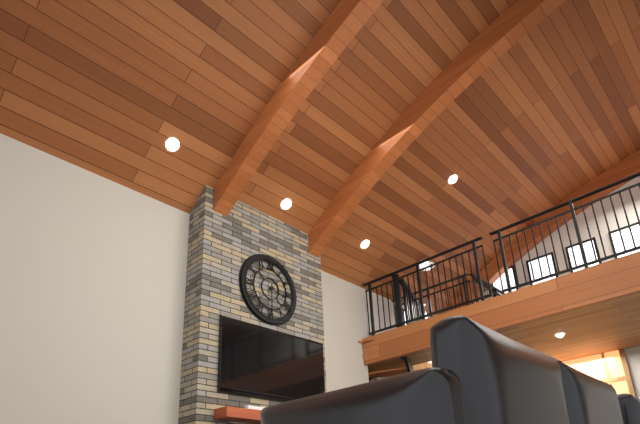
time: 3:30
